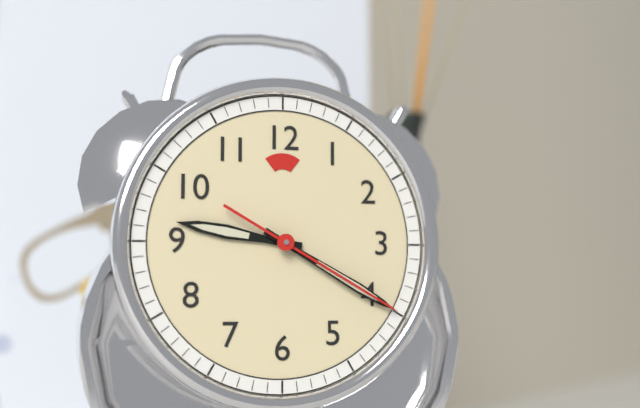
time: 9:20:20
